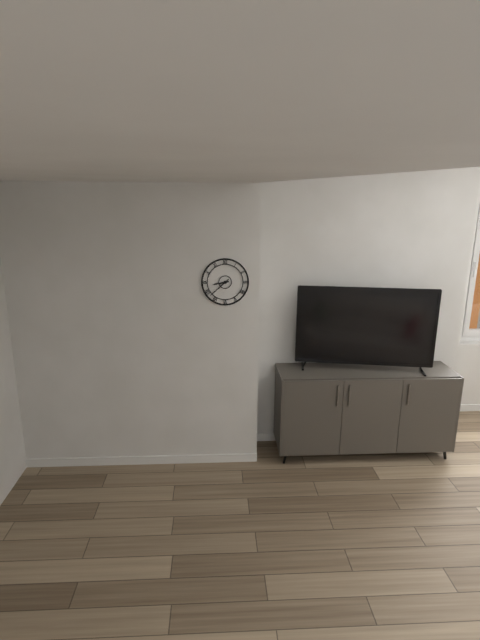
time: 8:38
